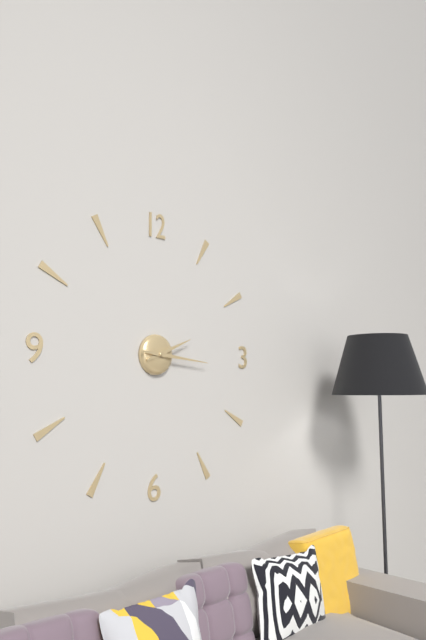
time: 2:16
